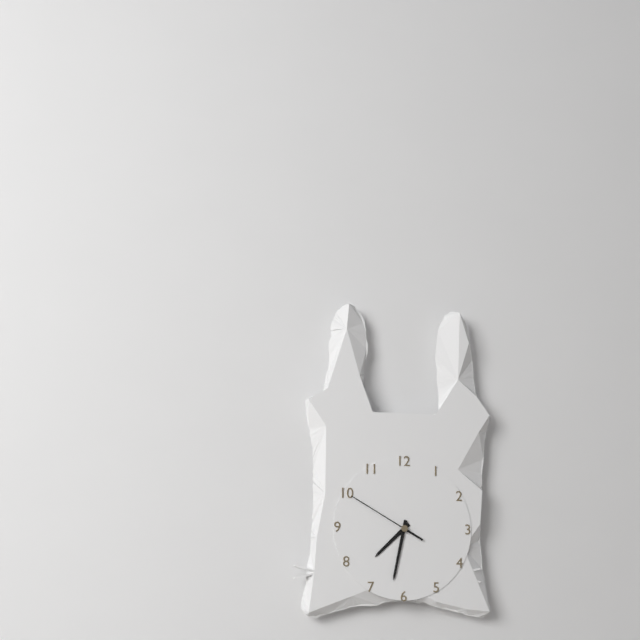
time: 7:32:50
